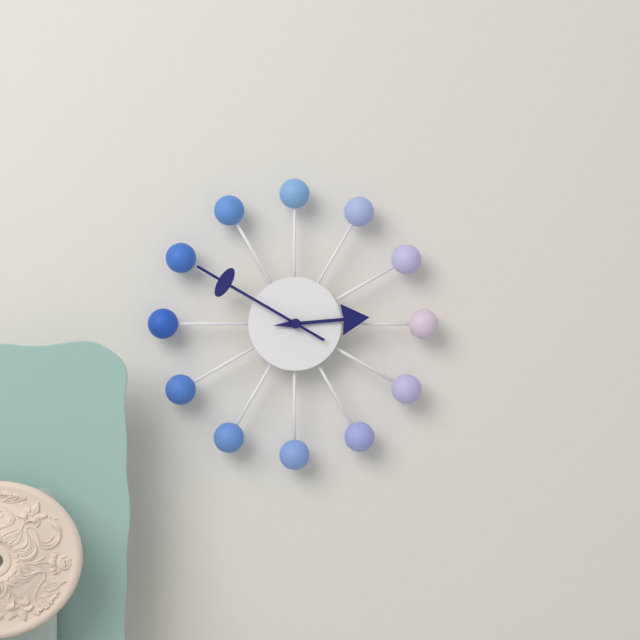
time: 2:50
